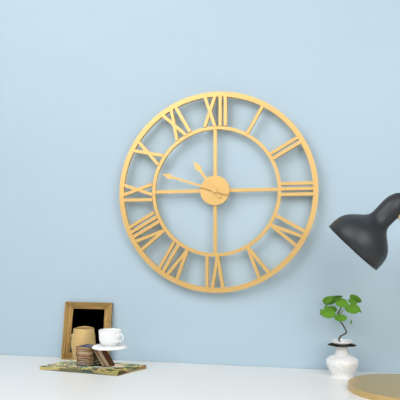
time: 10:48
